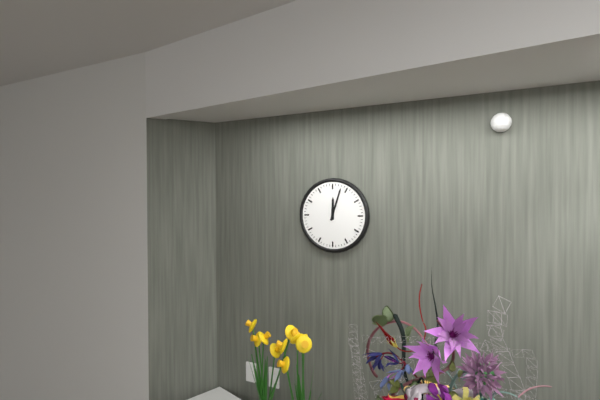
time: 12:03
